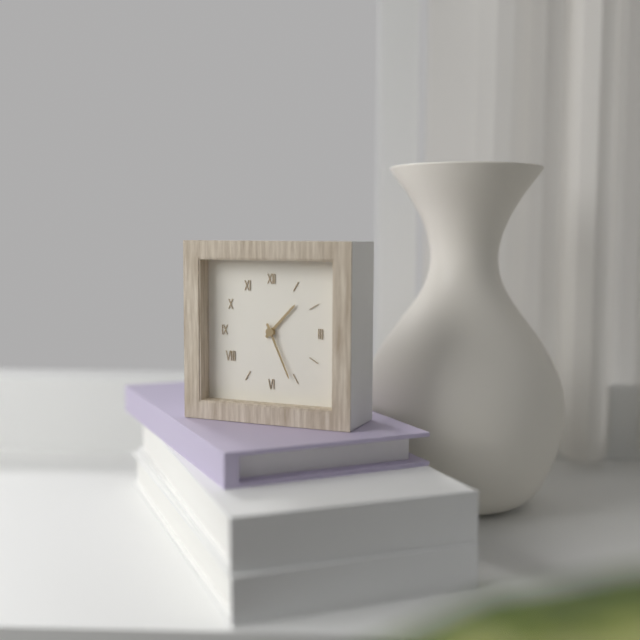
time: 1:26
